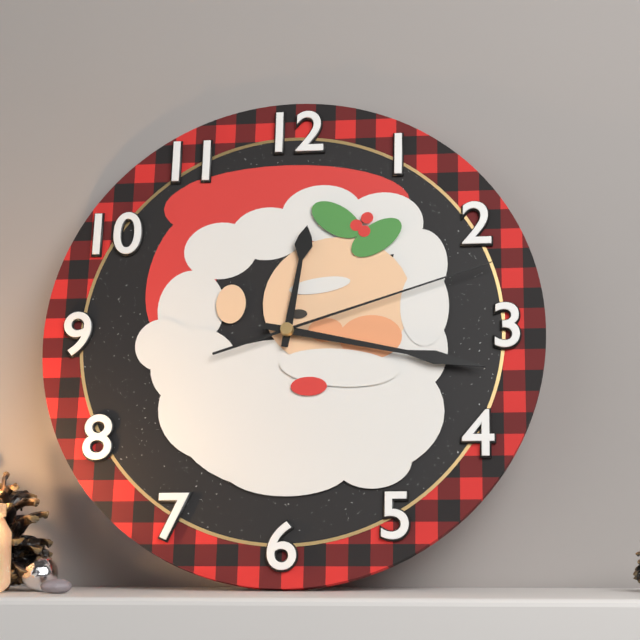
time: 12:17:12
